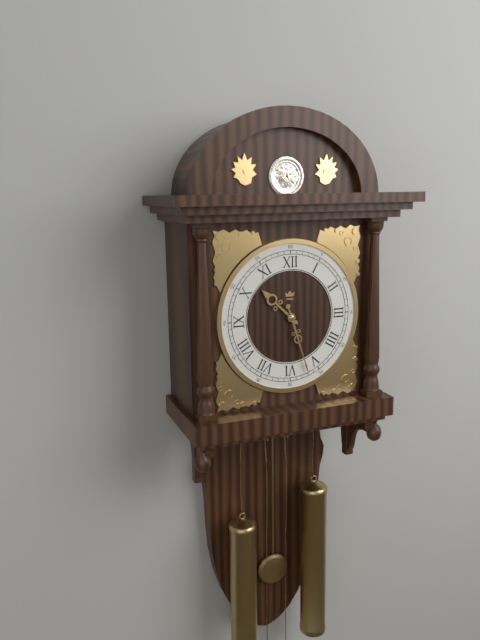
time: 10:27
